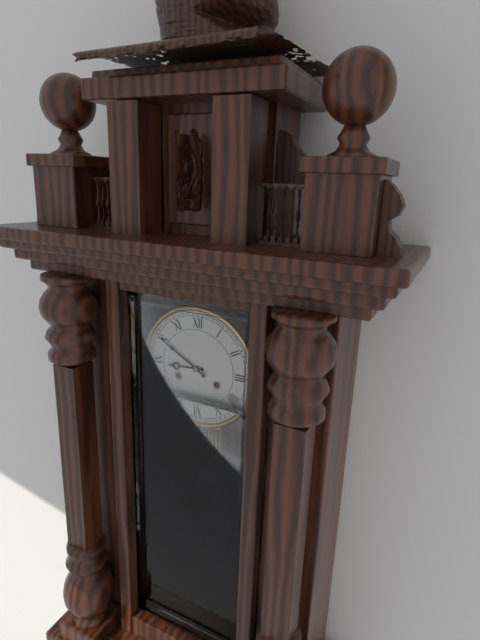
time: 8:50
